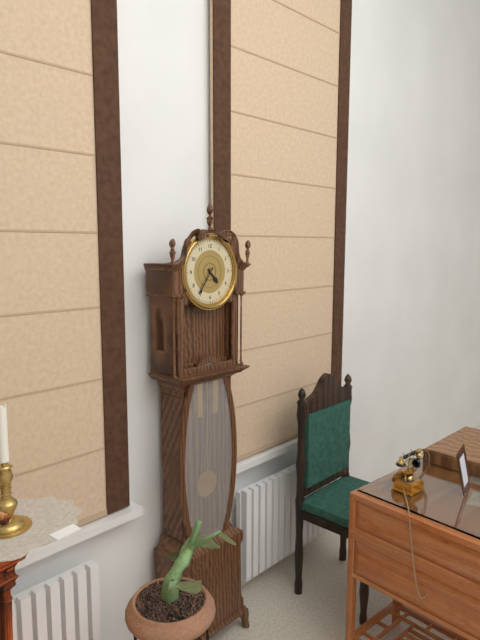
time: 4:36
